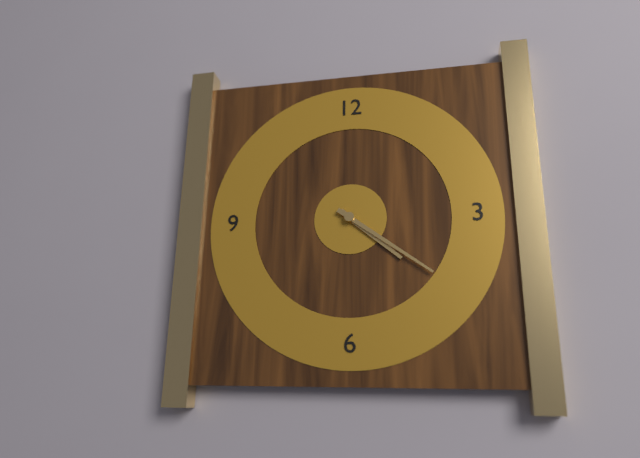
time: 4:21
